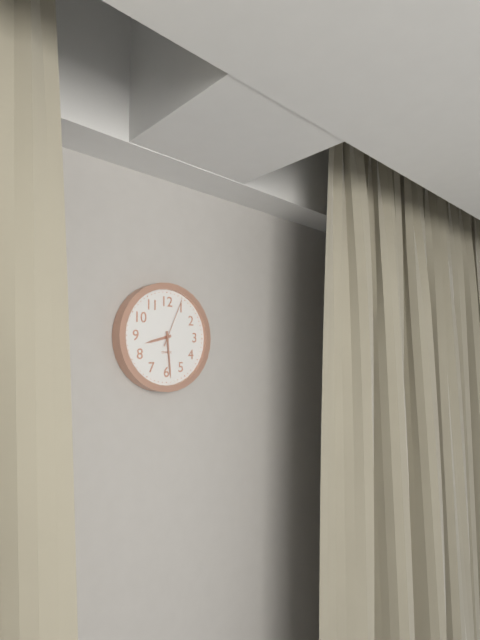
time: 8:29
